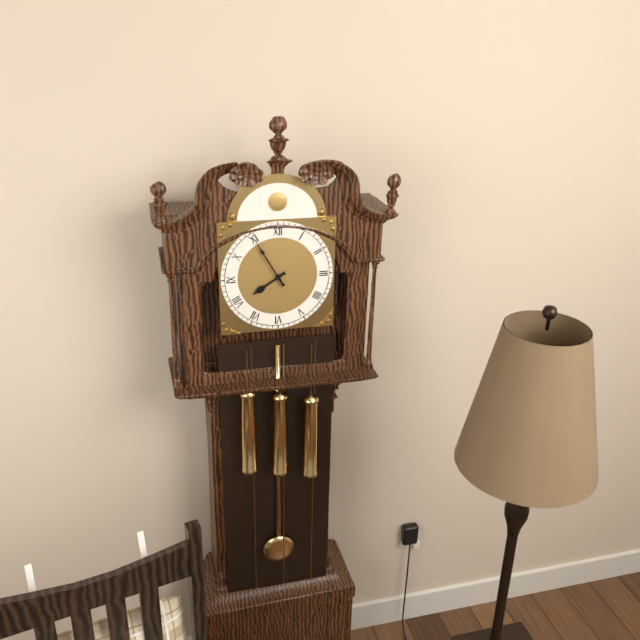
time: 7:55
